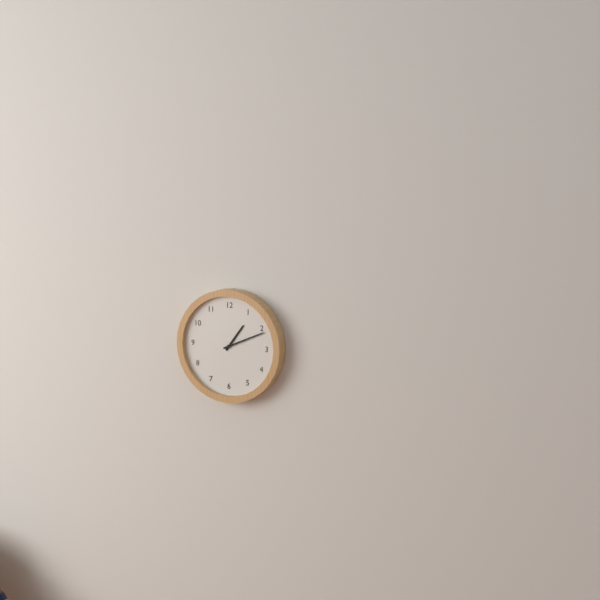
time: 1:11
